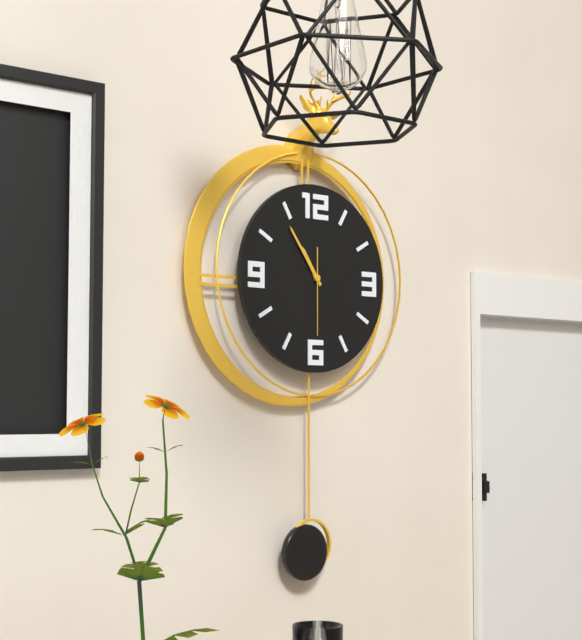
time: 10:54:30
